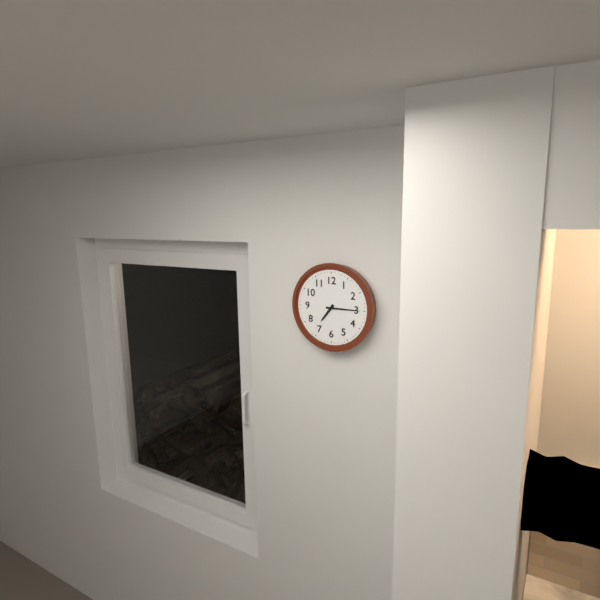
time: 7:15
